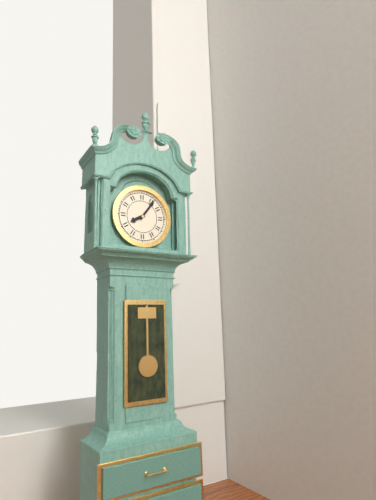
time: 8:06
